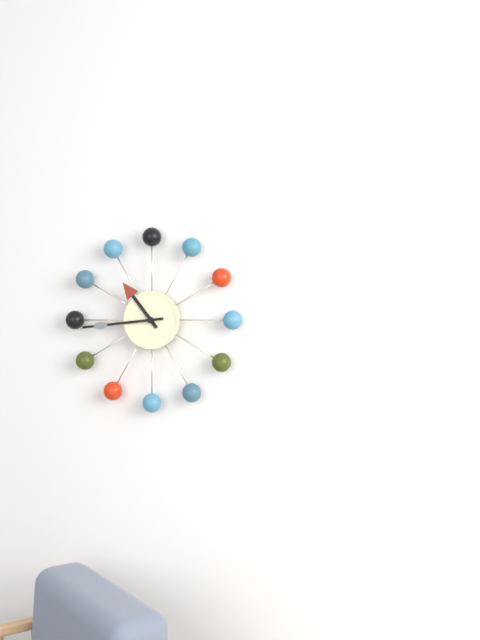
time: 10:44
